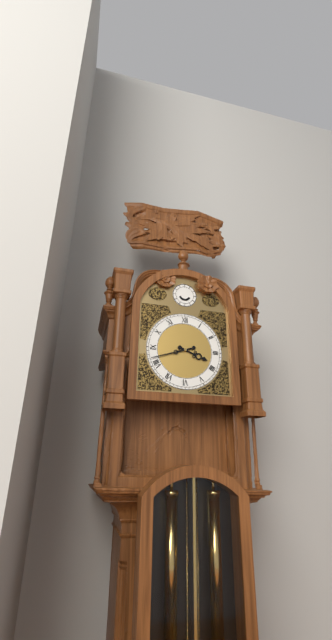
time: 3:42
